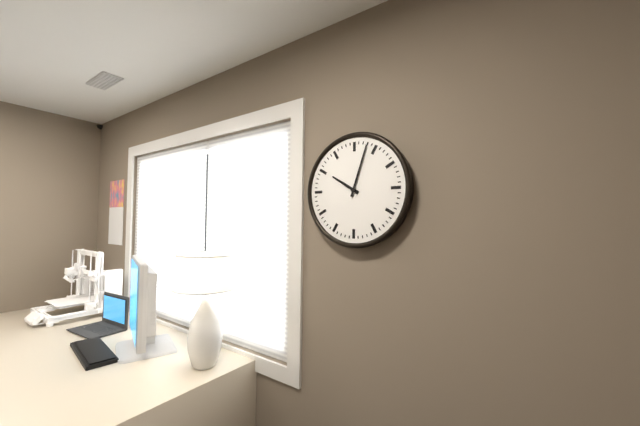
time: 10:03
